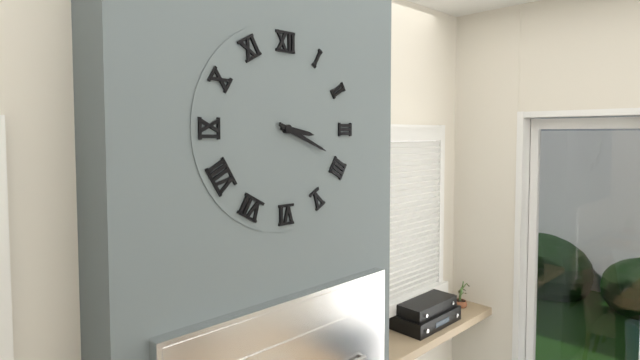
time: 3:19
